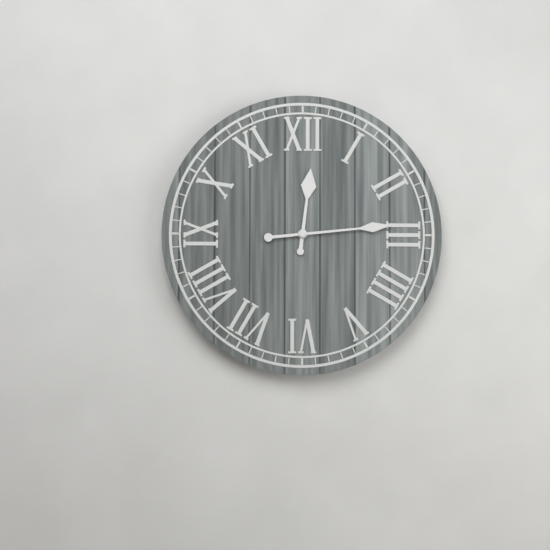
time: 12:14
